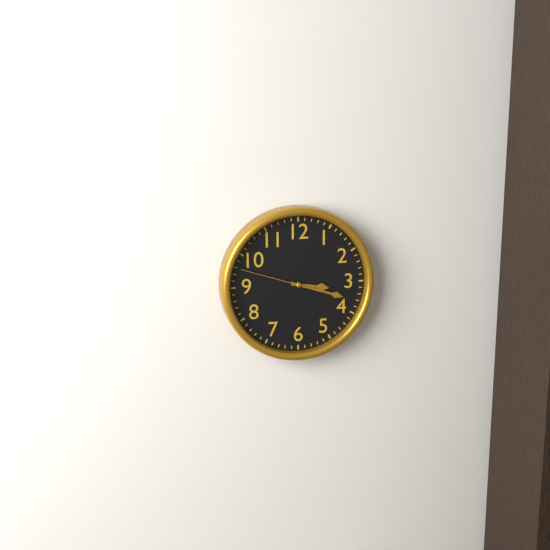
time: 3:18:48
